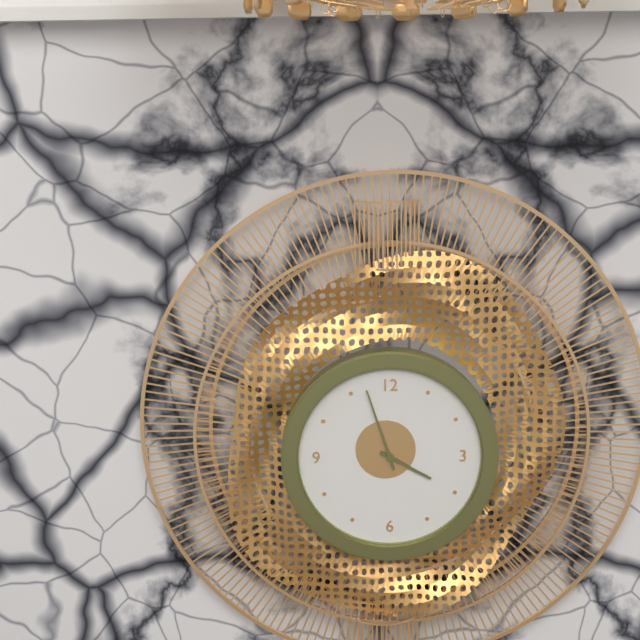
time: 3:57
